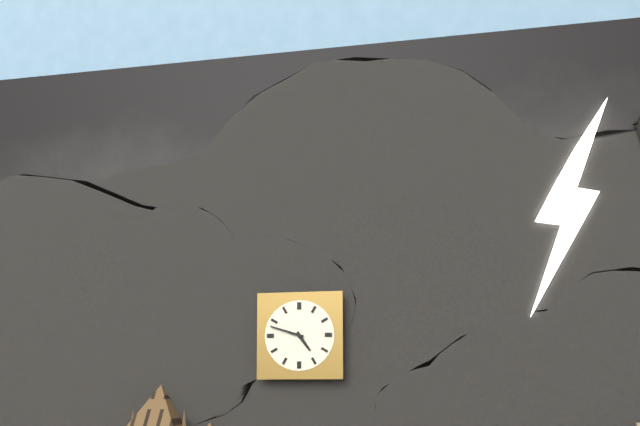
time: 4:48
